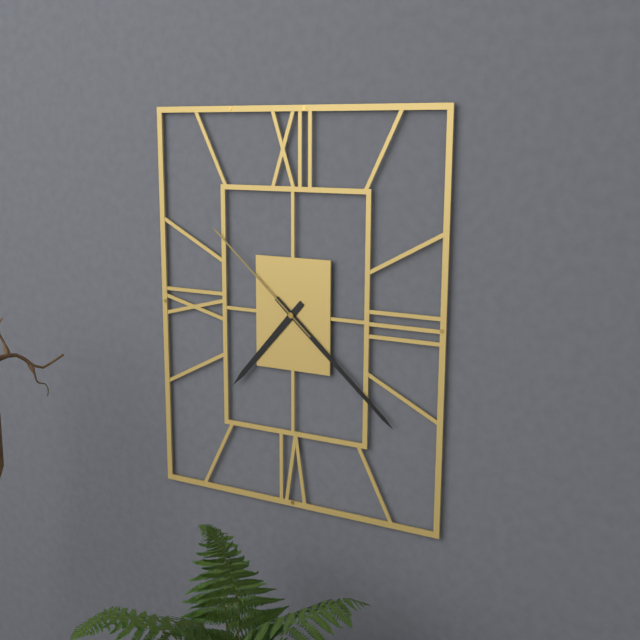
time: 7:22:52
